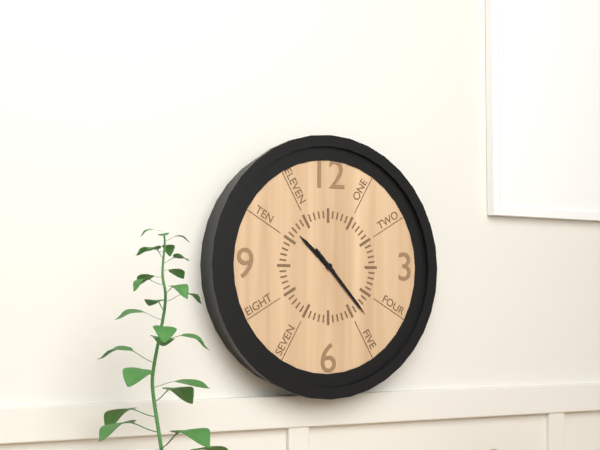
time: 10:23
